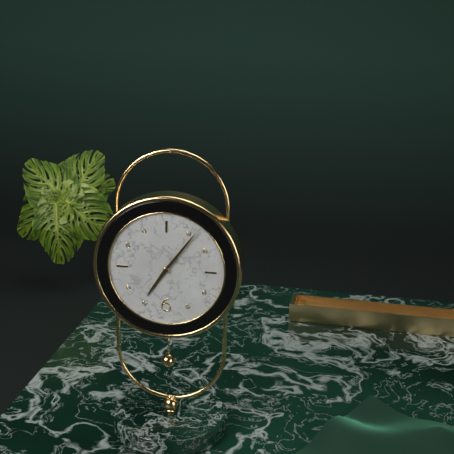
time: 7:06
